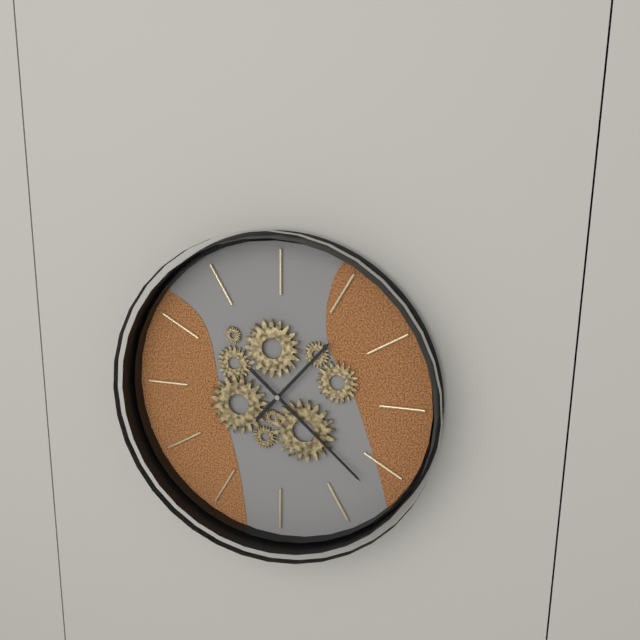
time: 1:22
